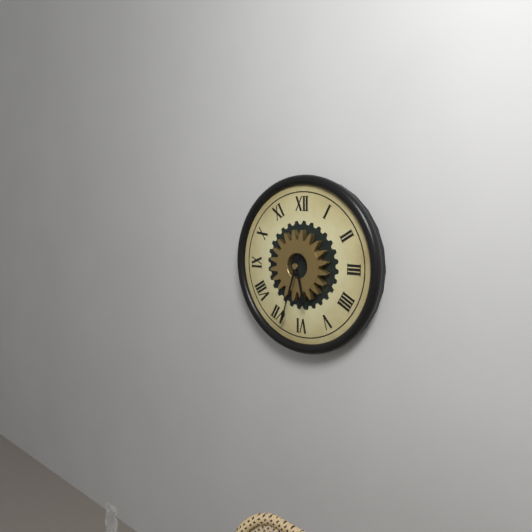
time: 5:33
